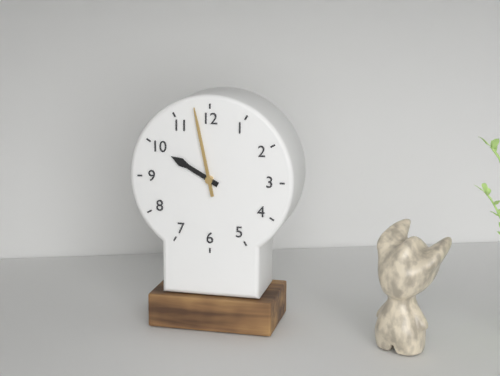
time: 9:58
